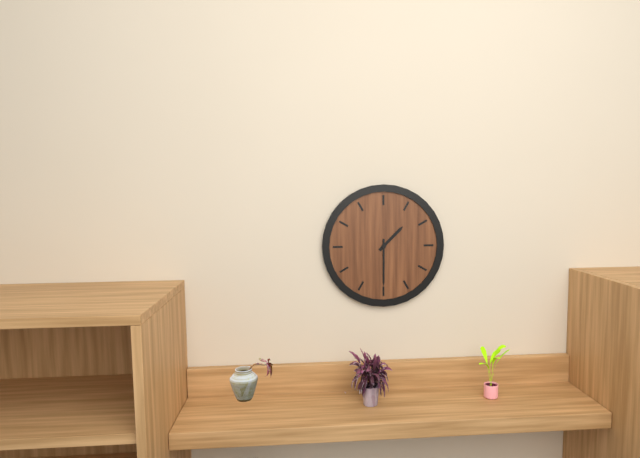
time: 1:30
